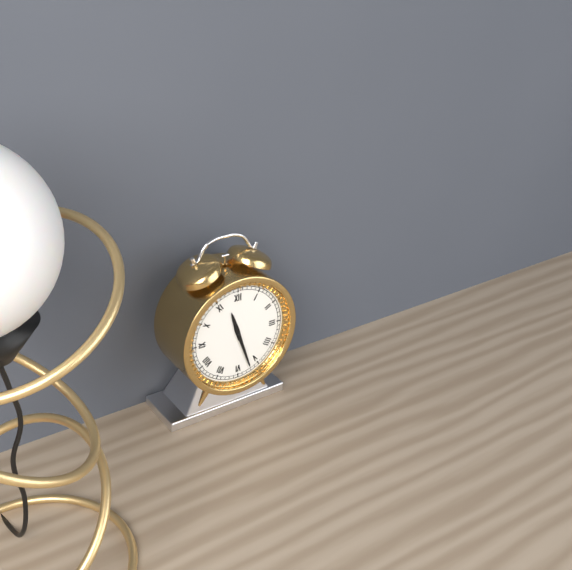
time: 11:27
